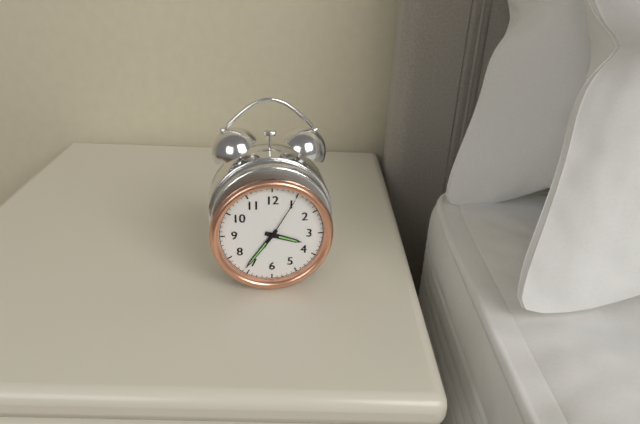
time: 3:36:05
